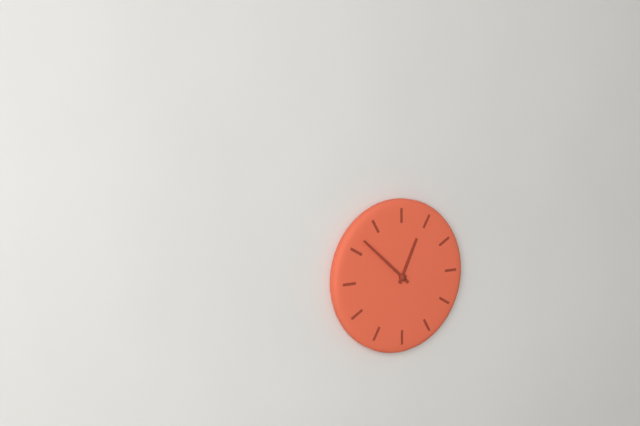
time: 12:52
